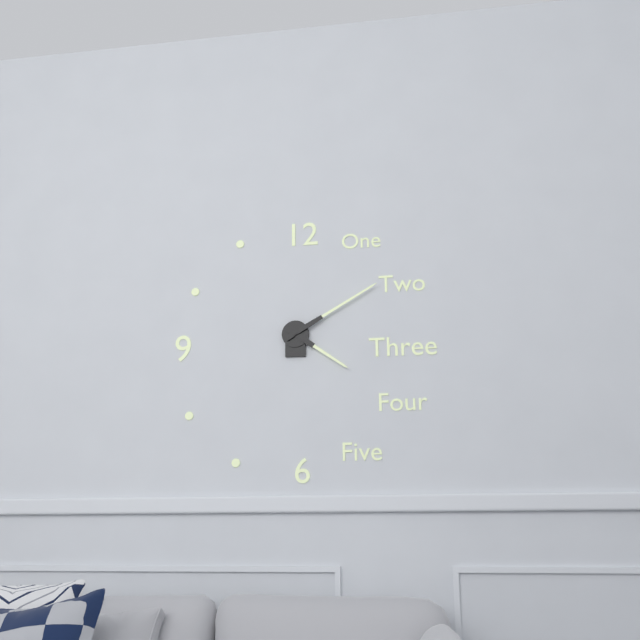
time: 4:10
